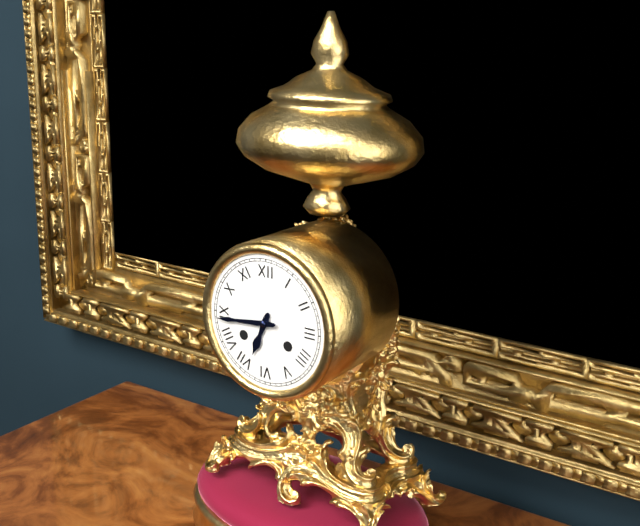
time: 6:44
